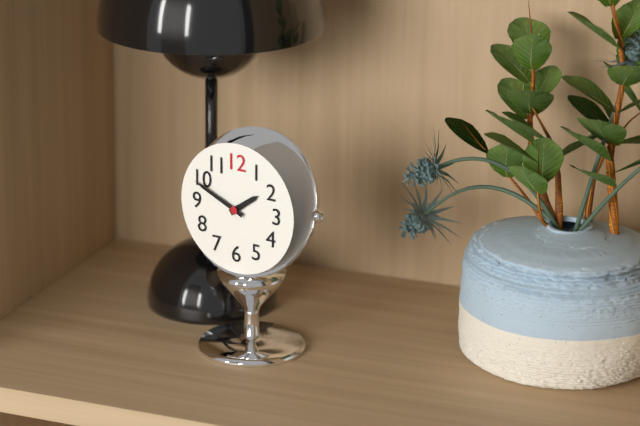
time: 1:49
